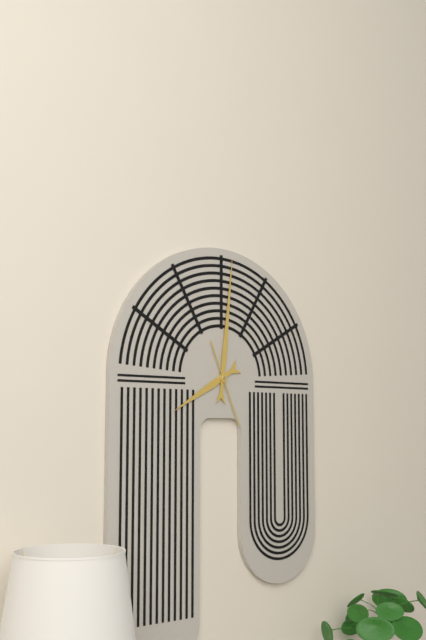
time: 8:01:26
